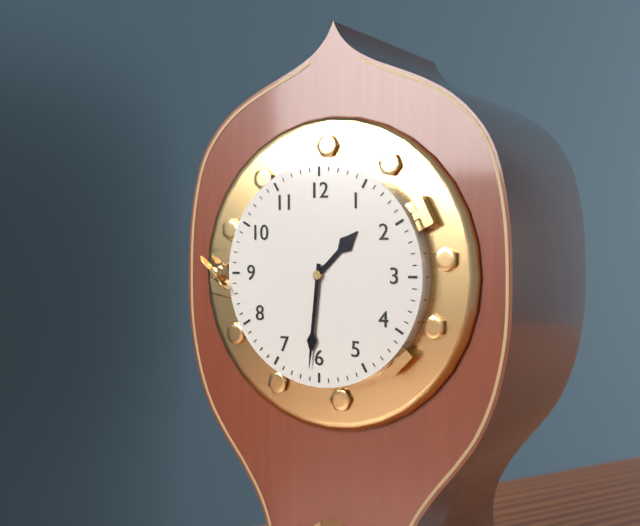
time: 1:31
